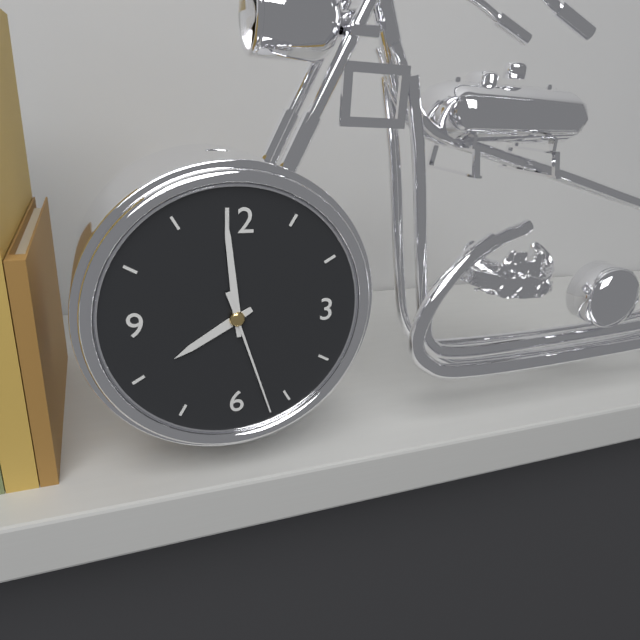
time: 7:59:27
